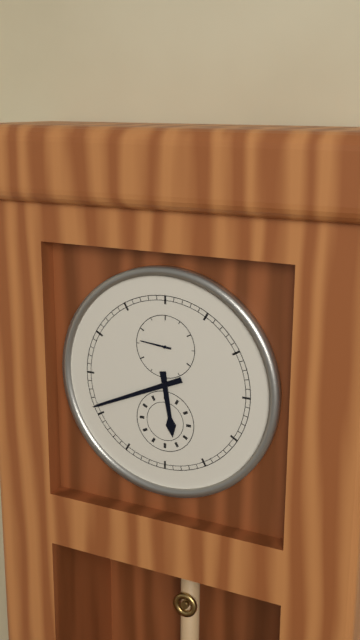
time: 5:41
